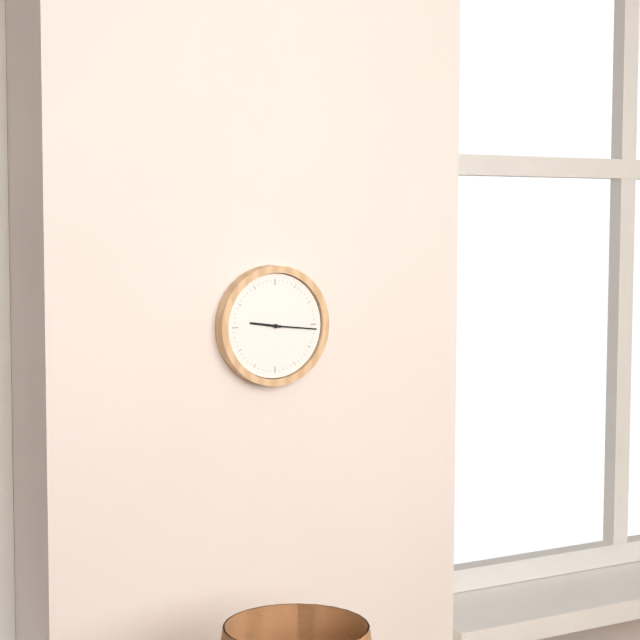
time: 9:16
